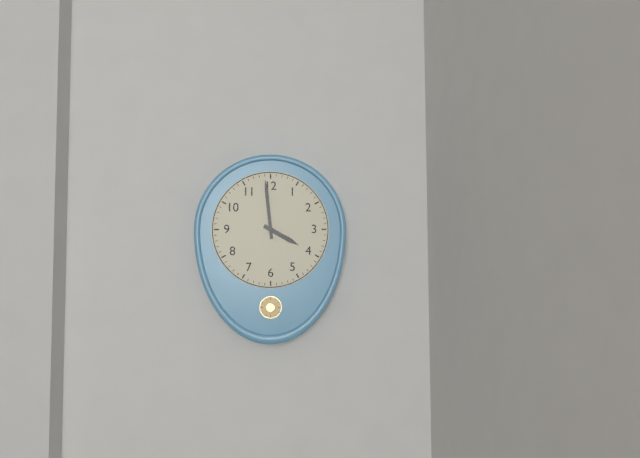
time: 3:59
